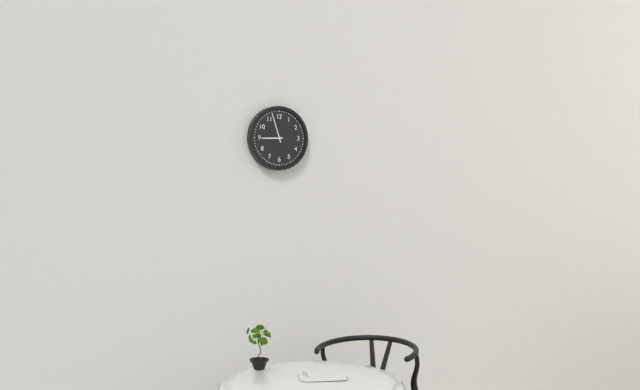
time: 8:57
